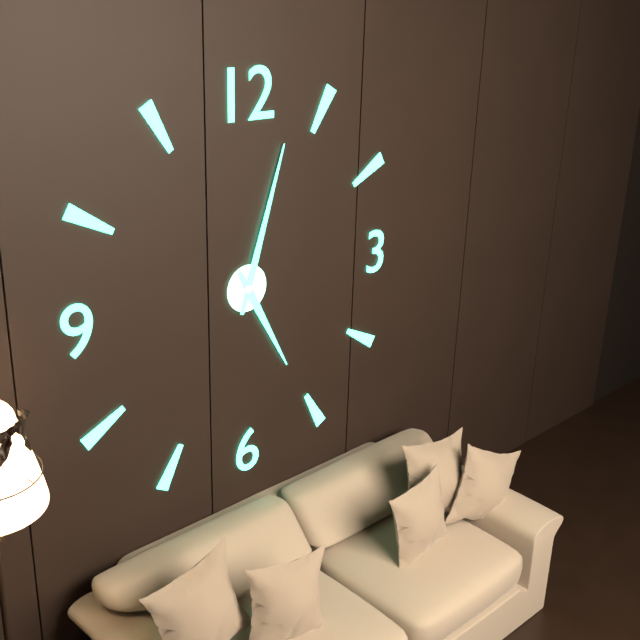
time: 5:03
